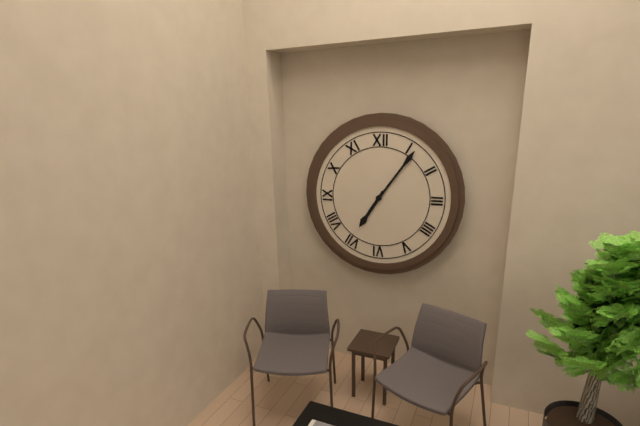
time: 7:06
